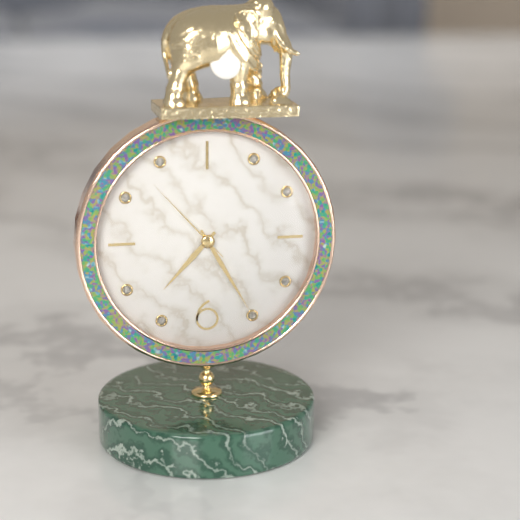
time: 7:25:53
